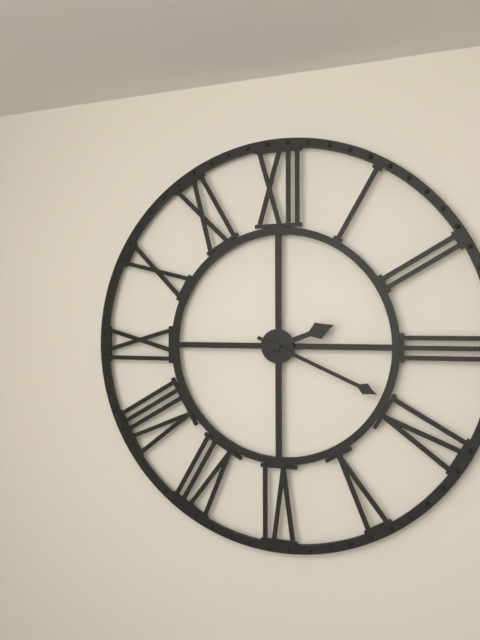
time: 2:19
